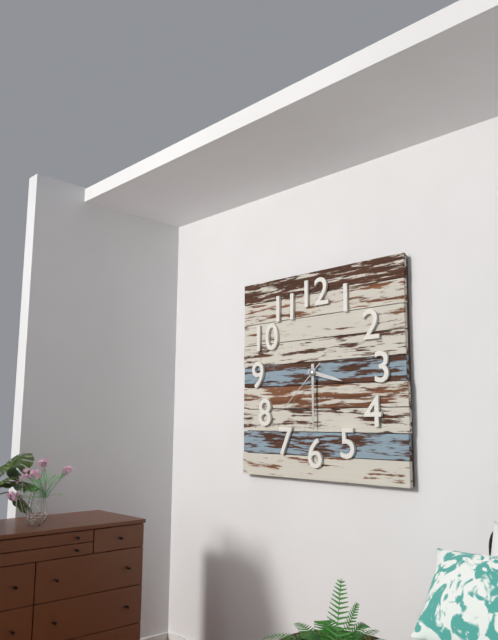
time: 3:30:38
